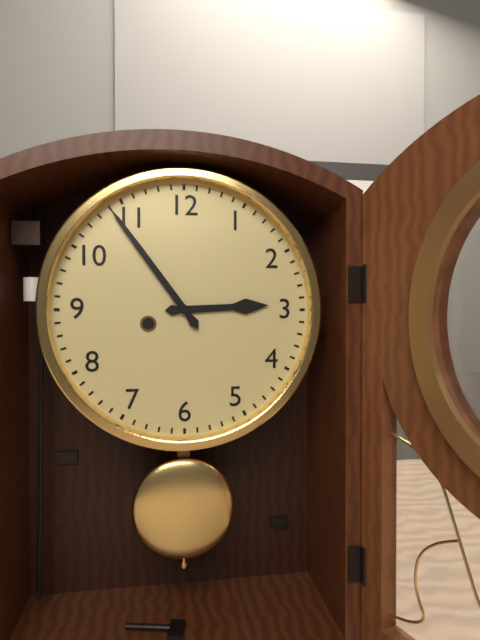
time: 2:54
